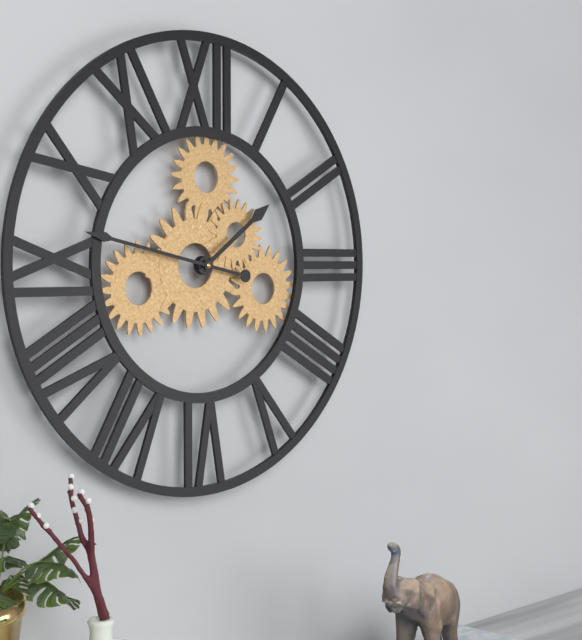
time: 1:47
